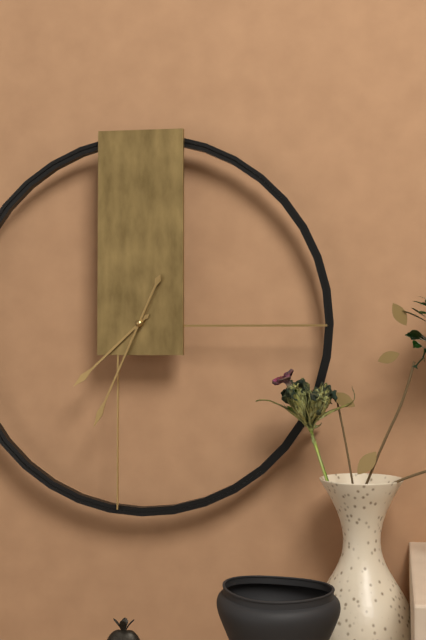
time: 7:34
